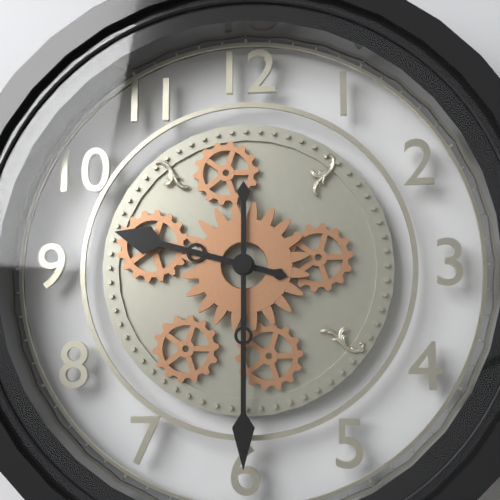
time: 9:30
